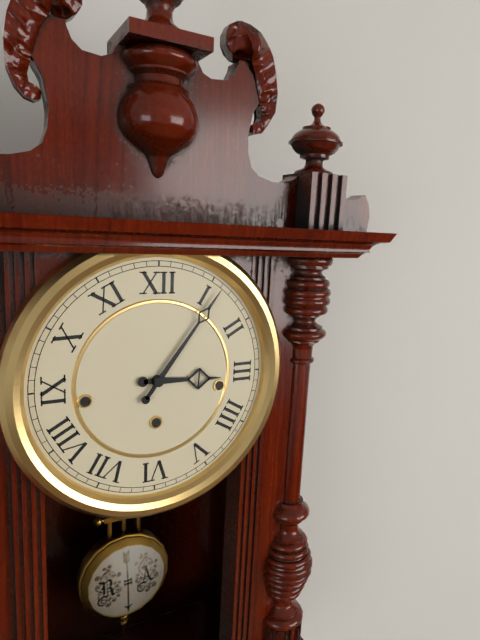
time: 3:06
